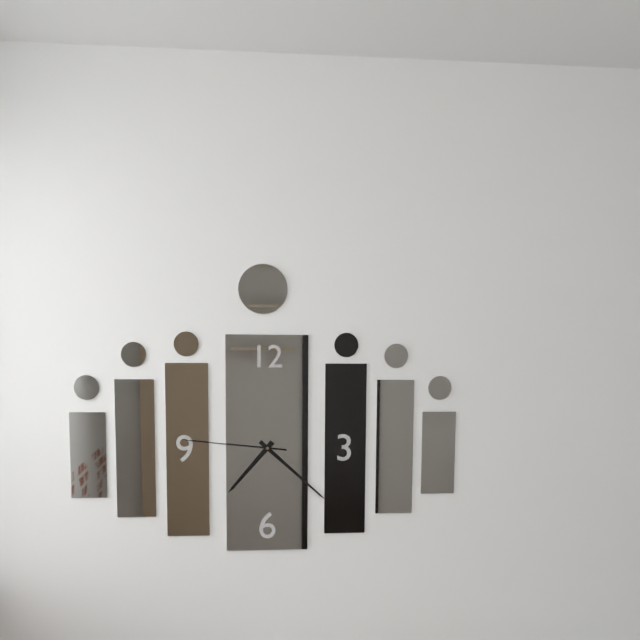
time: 7:22:46
